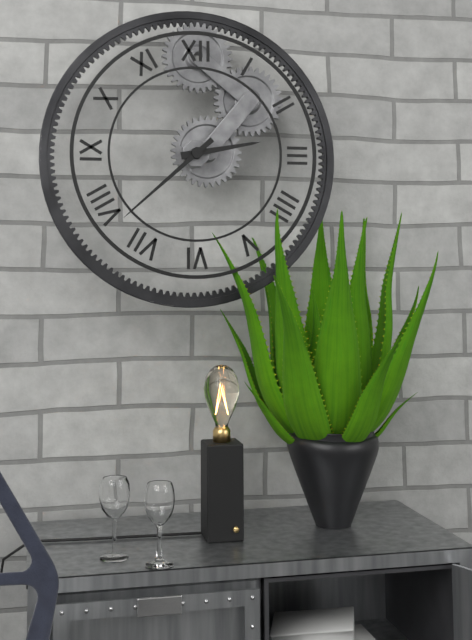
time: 2:38
